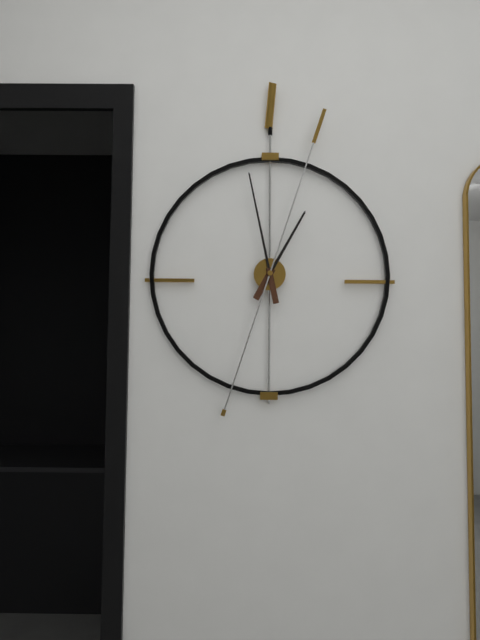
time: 12:58:03
